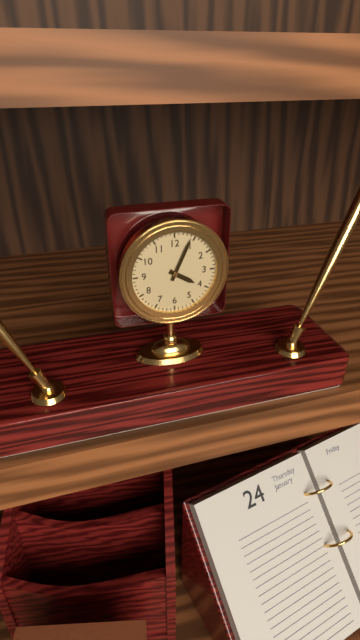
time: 4:04
